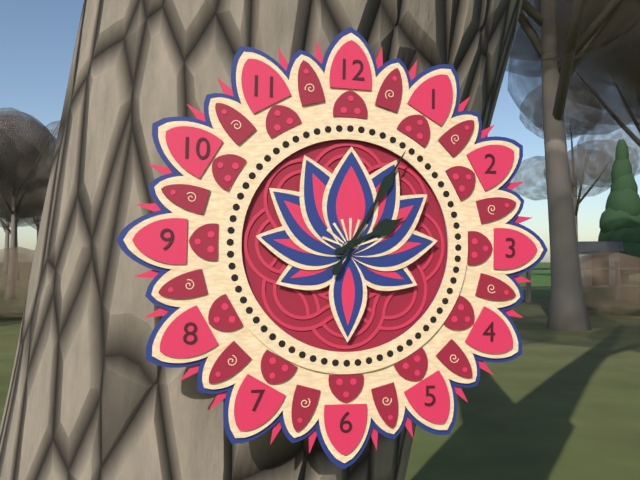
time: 2:05
